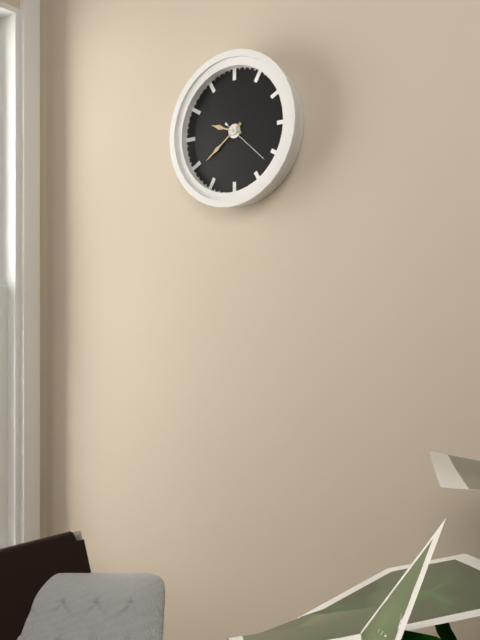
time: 9:39
